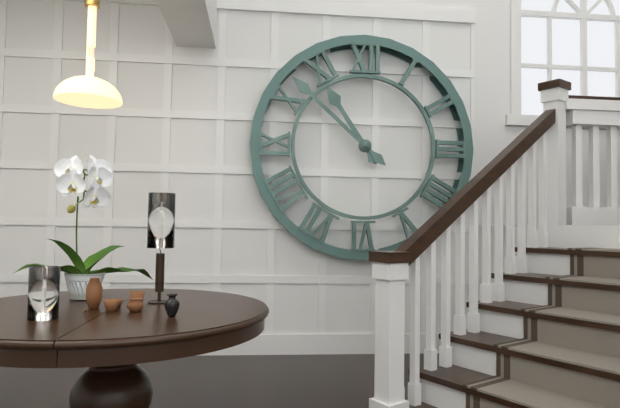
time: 10:52
